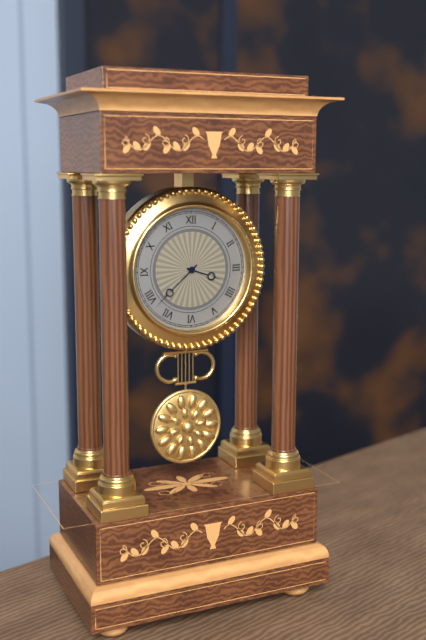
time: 3:38
